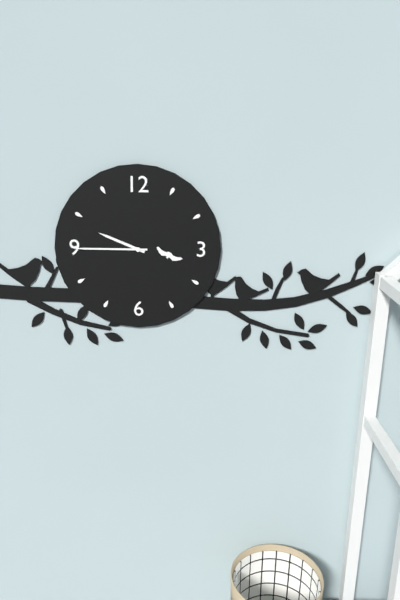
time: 9:45
